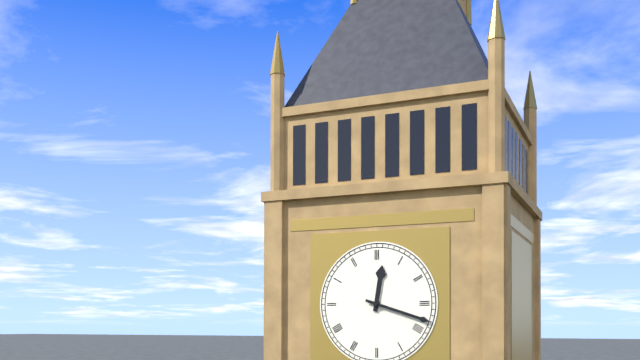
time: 12:18
